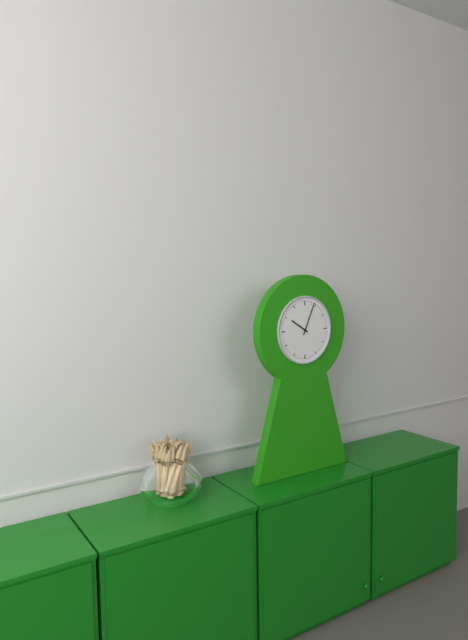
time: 10:04
